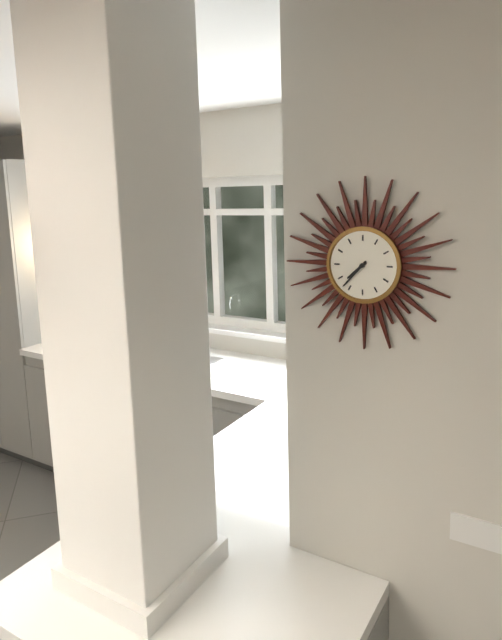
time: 7:37
